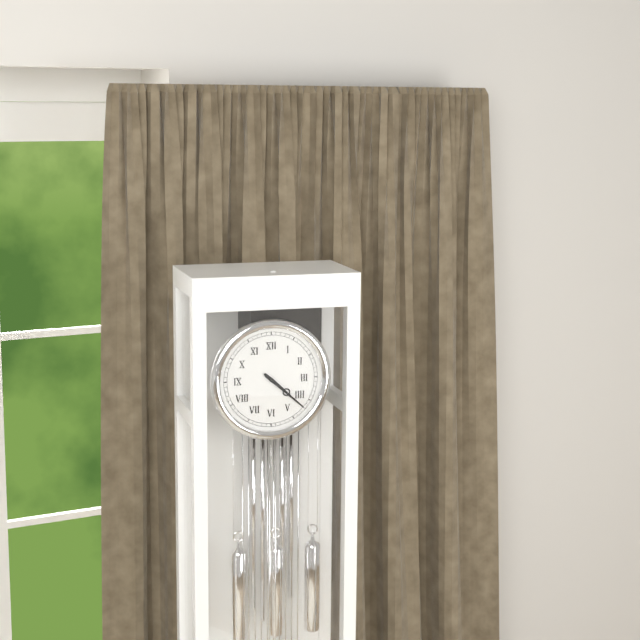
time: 4:22
